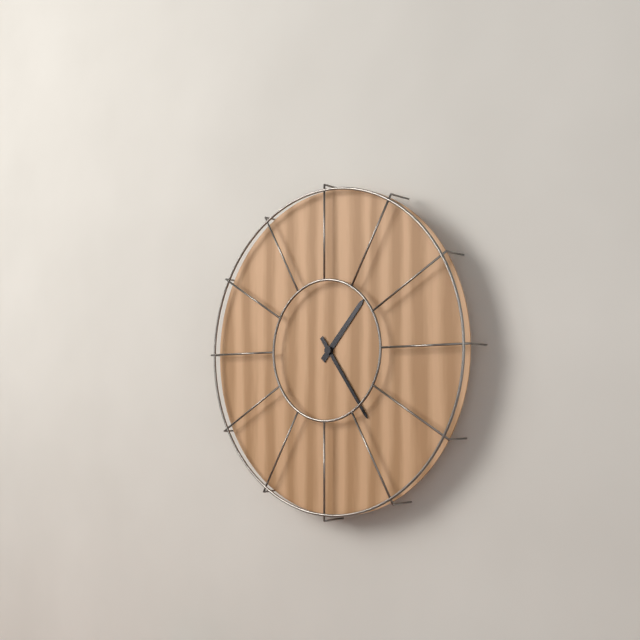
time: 1:24
